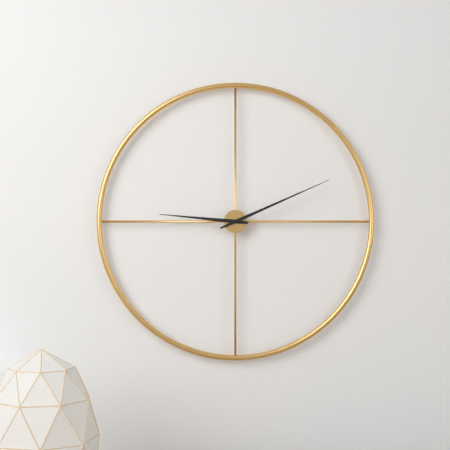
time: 9:11
